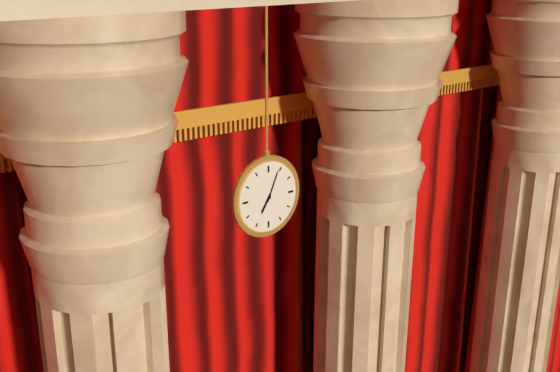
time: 7:04
